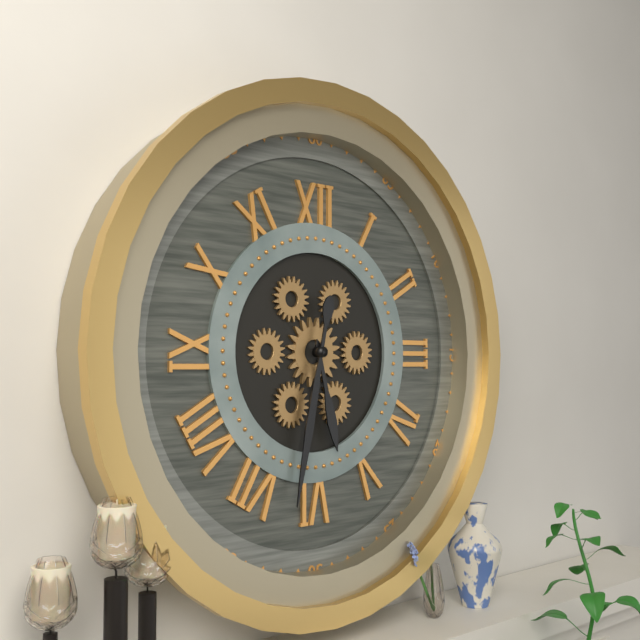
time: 5:32
